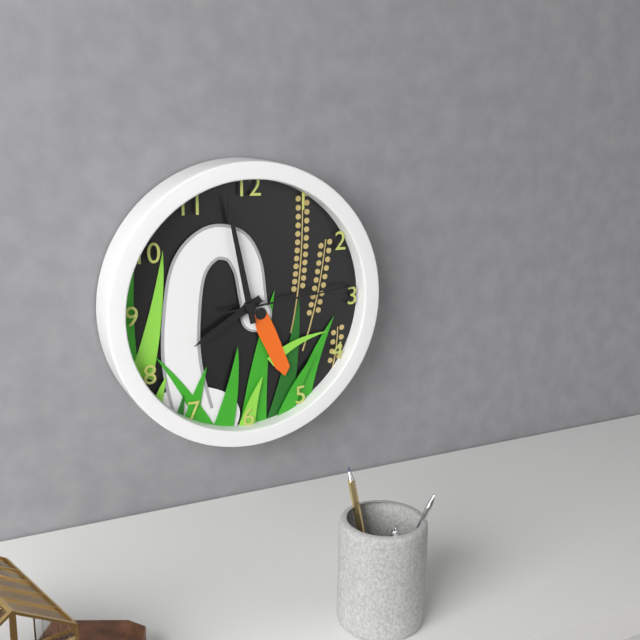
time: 7:58:14
